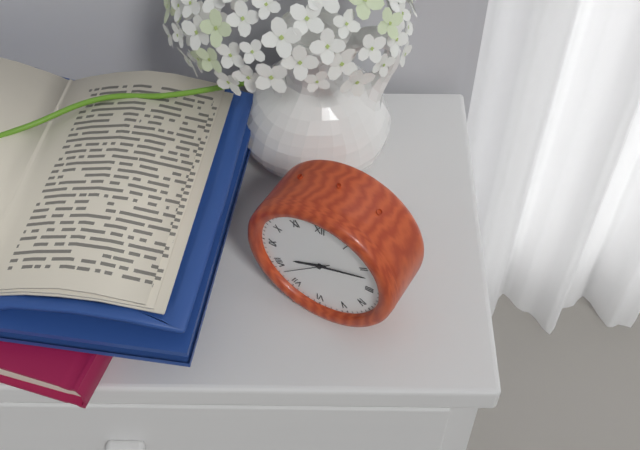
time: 8:12
